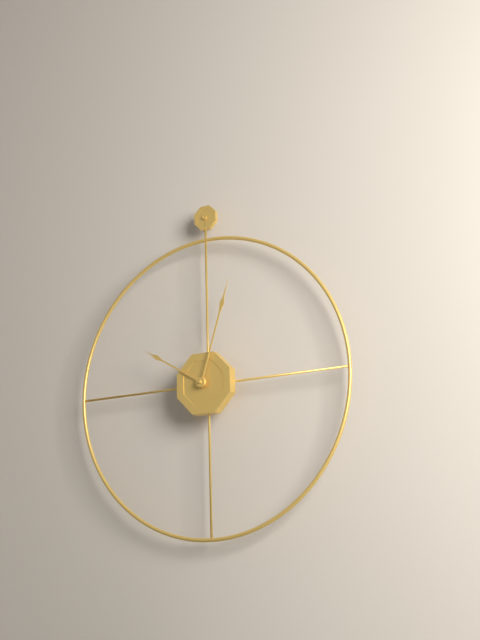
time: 10:03
